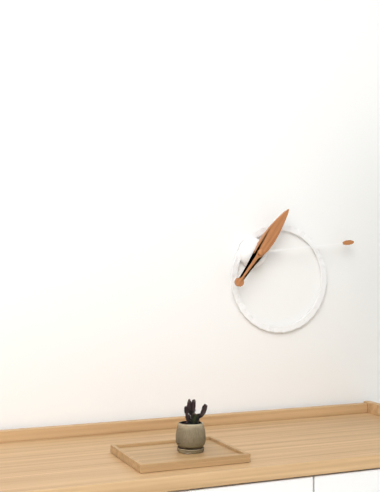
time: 1:14
